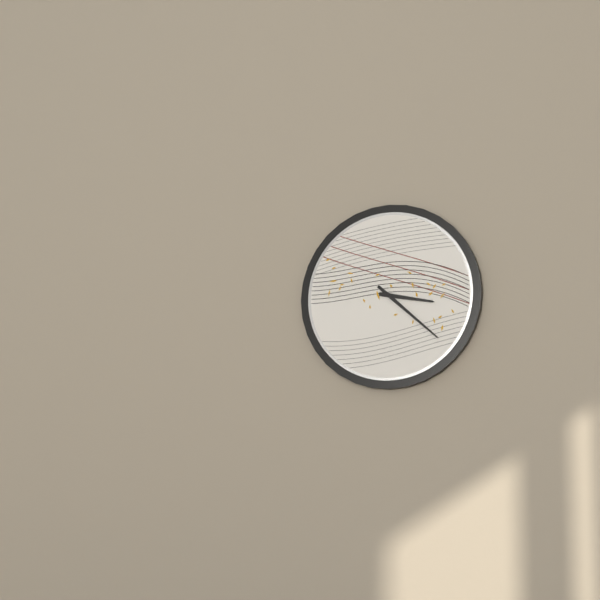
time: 3:22
